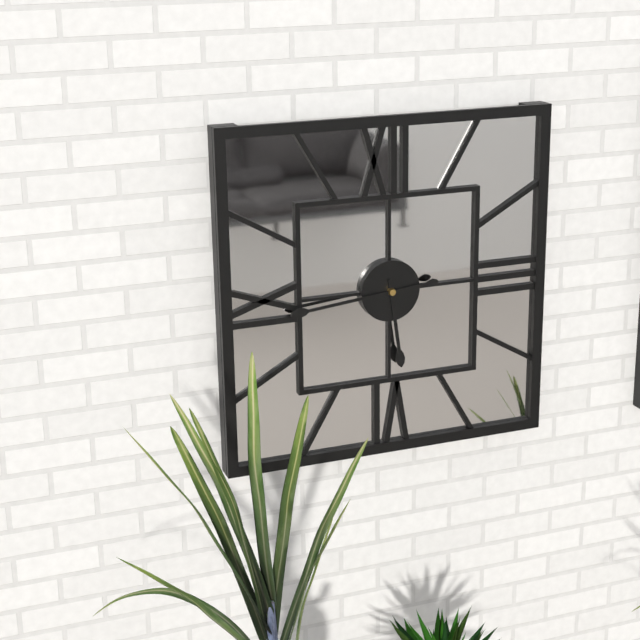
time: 5:44
